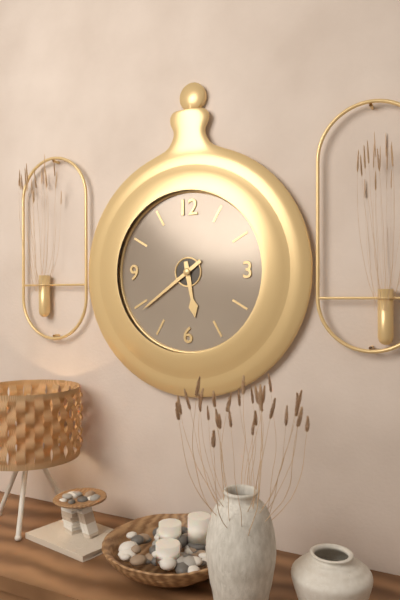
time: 5:39
